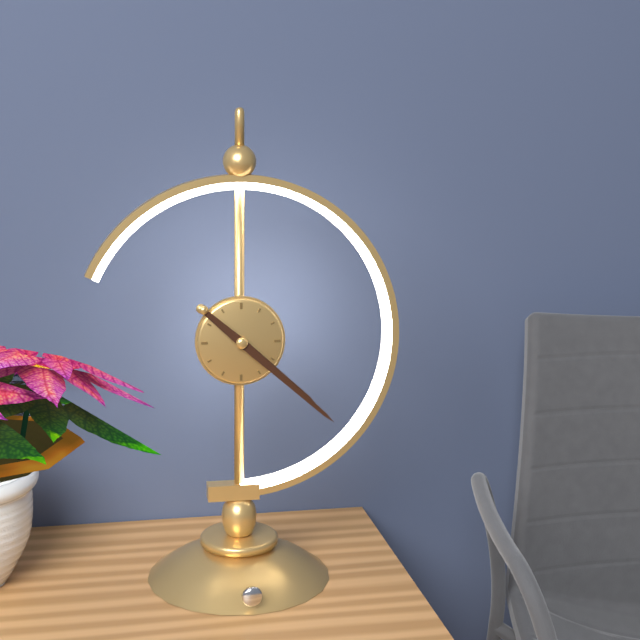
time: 4:22
